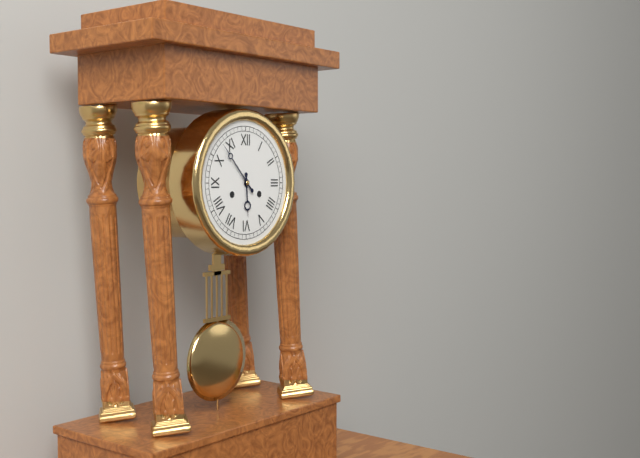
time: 5:53
